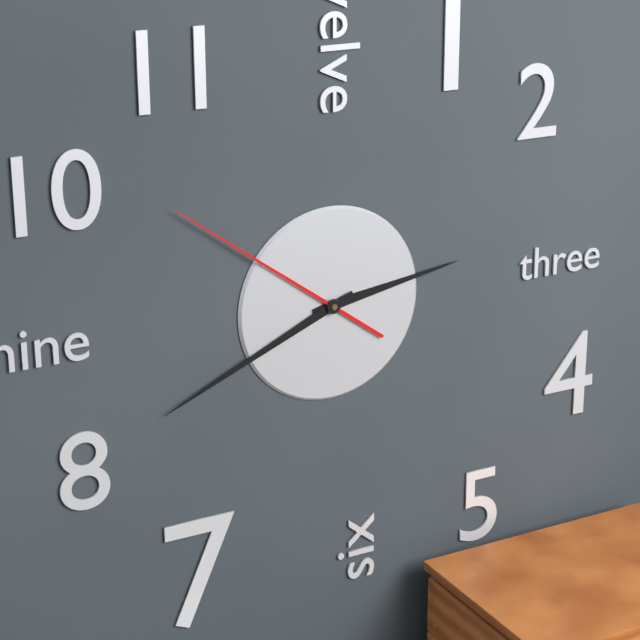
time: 2:41:51
